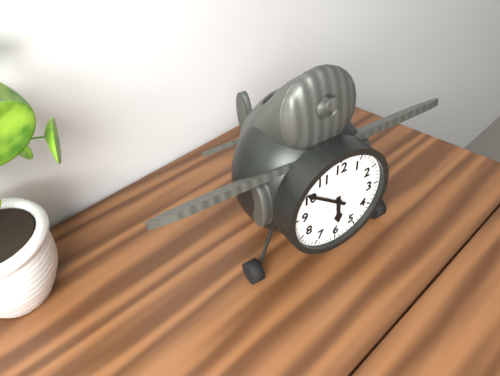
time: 5:51
